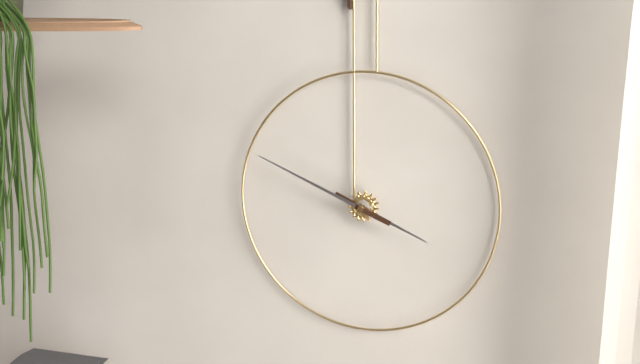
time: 3:49
